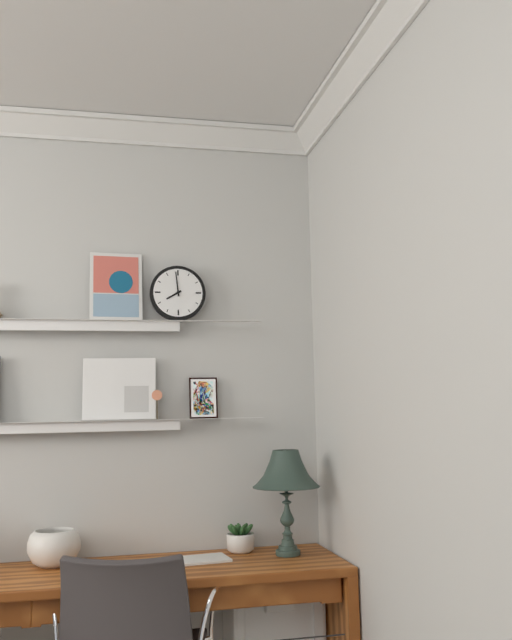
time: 7:59
